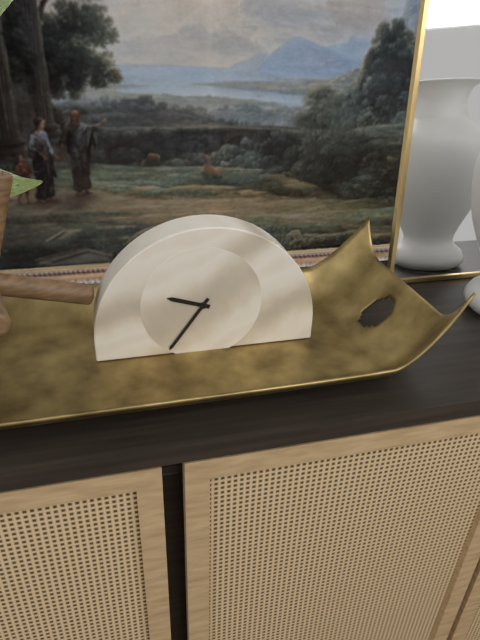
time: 9:36
